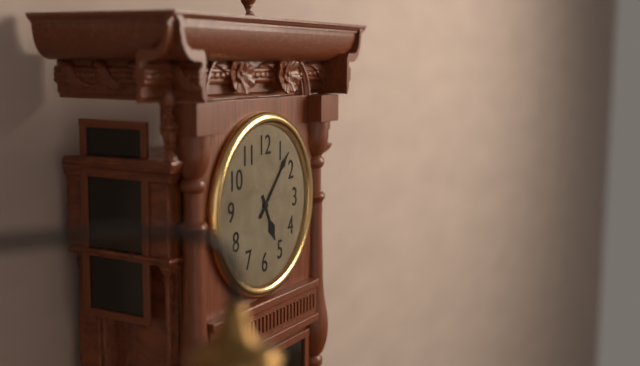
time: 5:07
